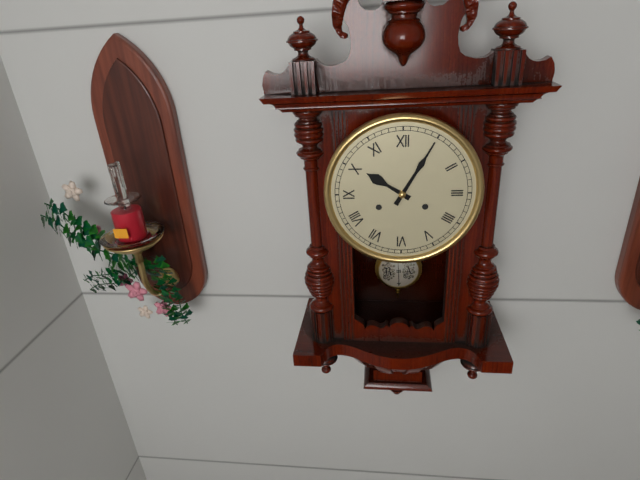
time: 10:05
